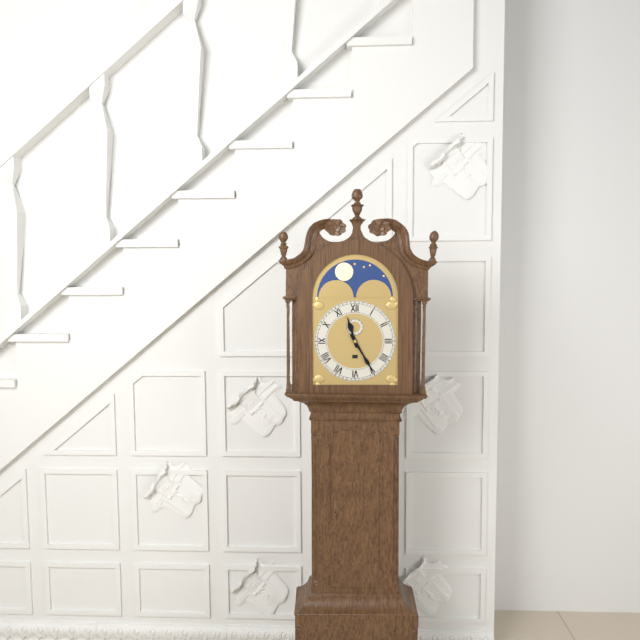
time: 11:25
